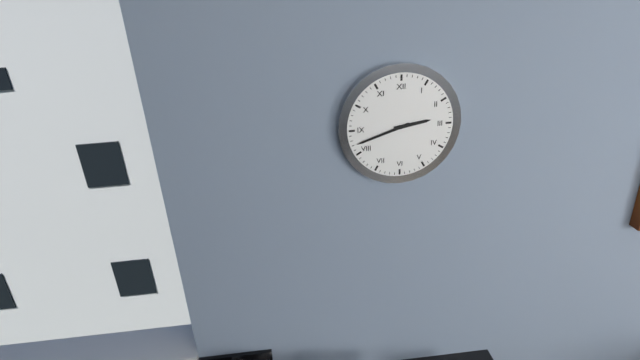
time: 2:42
